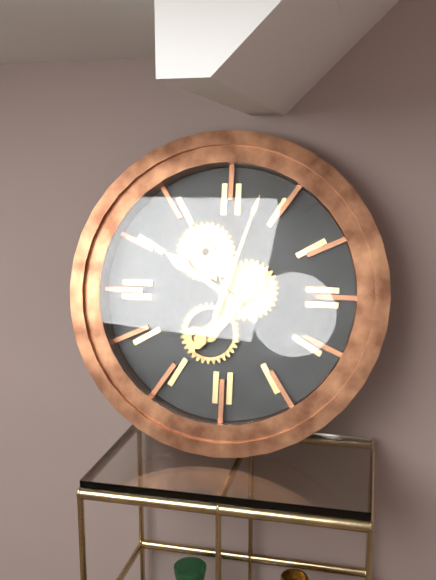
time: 10:03
